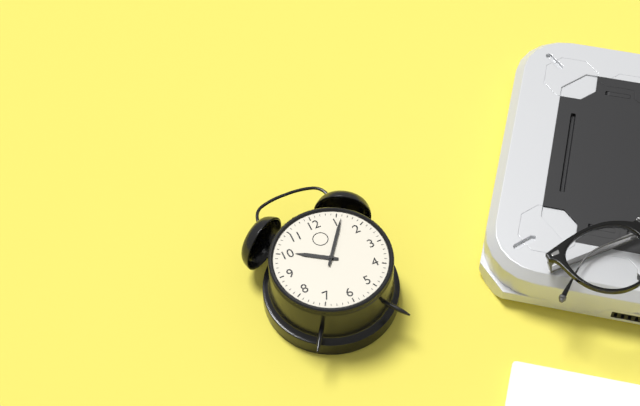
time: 10:06
